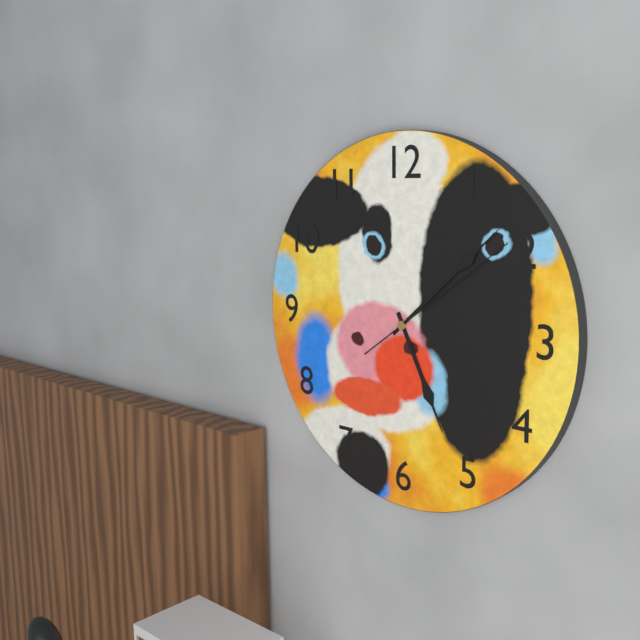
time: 5:08:09
